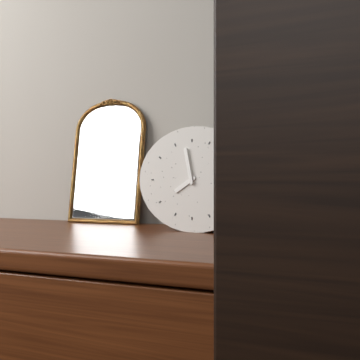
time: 7:58
